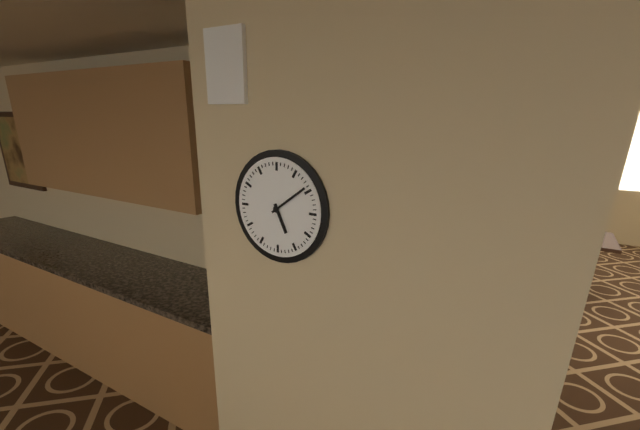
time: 5:09
